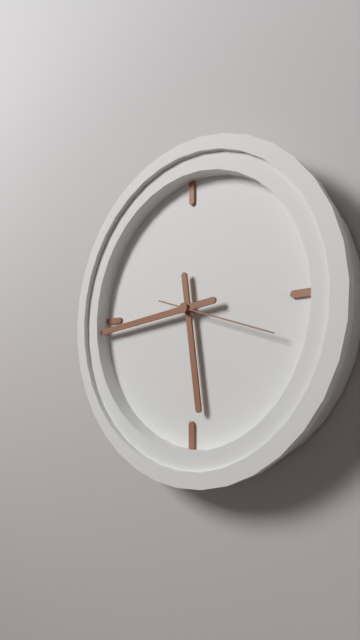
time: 5:44:18
